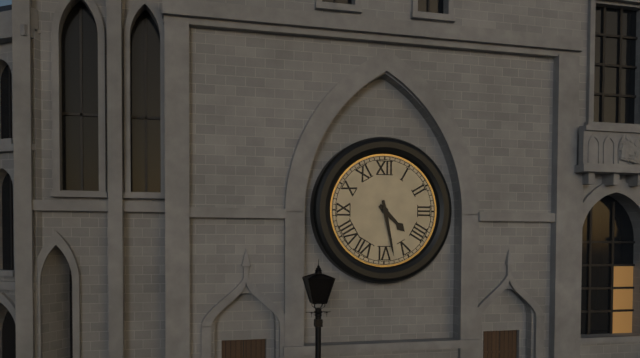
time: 4:28
